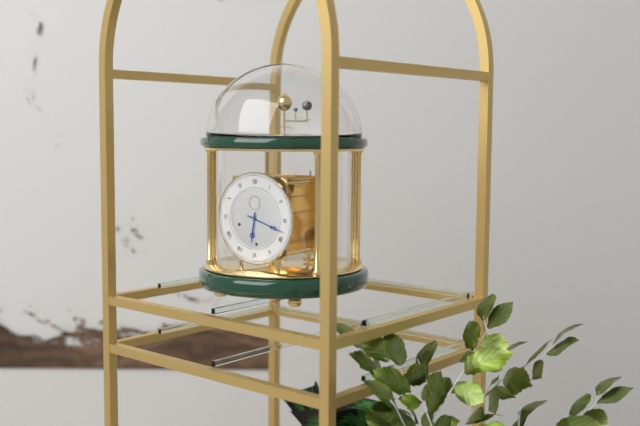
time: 6:18
